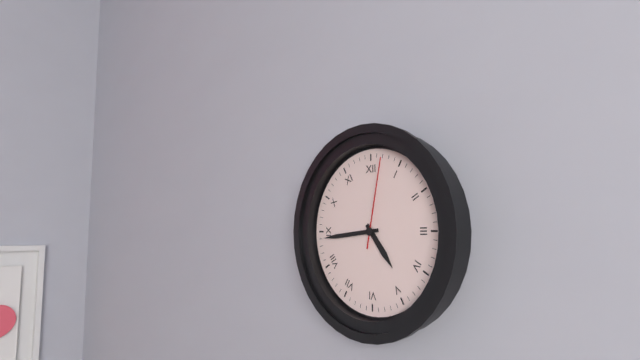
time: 4:44:02
